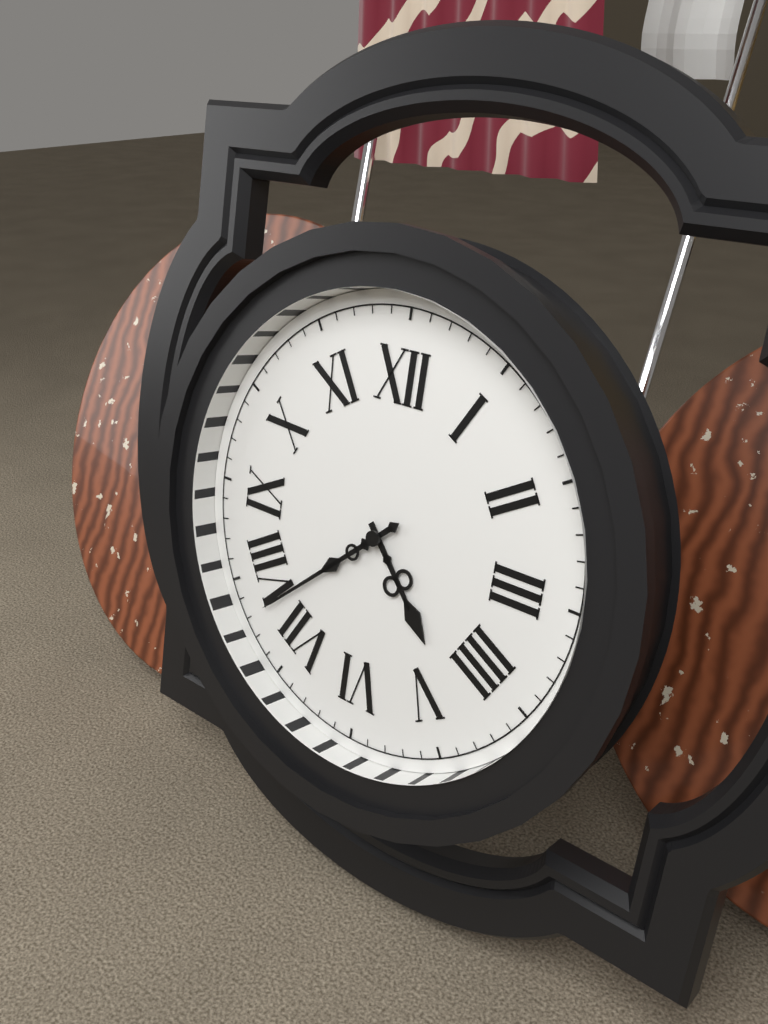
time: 4:38
